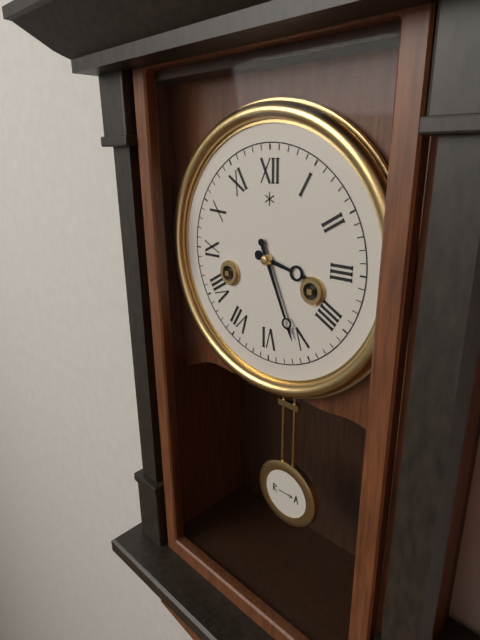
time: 3:26
